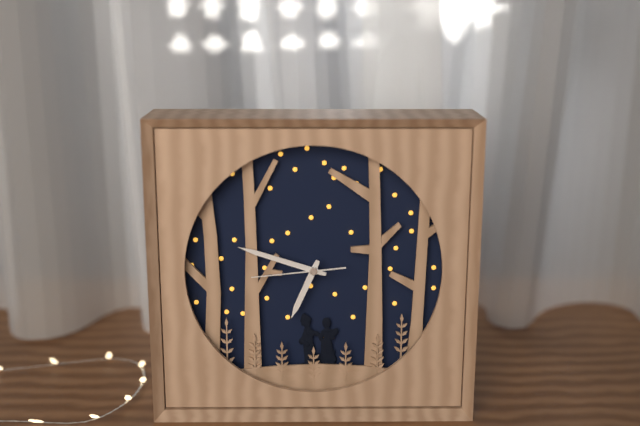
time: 6:48:44
